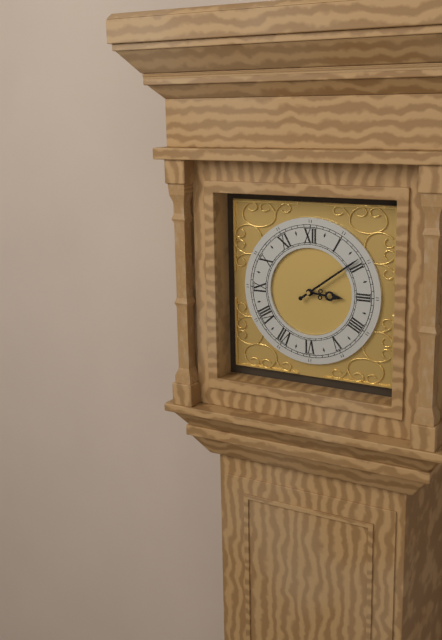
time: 3:09
